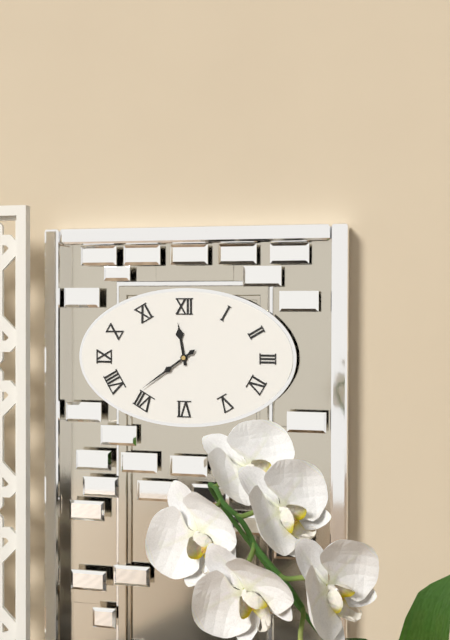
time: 11:39
